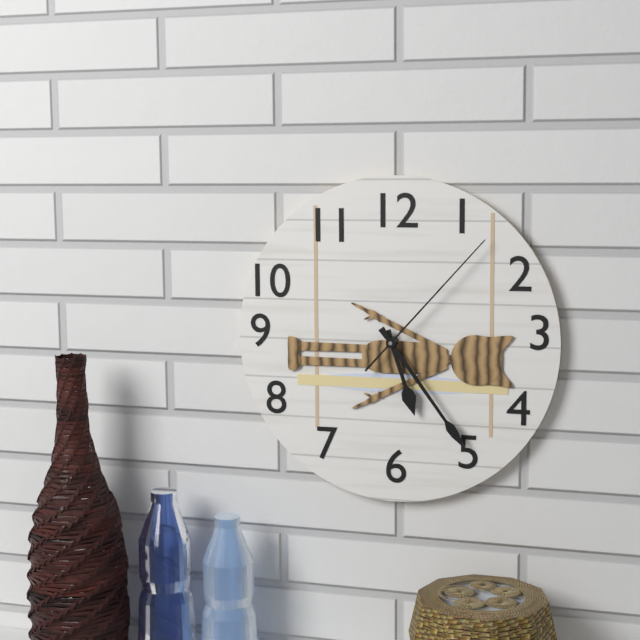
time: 5:24:07
